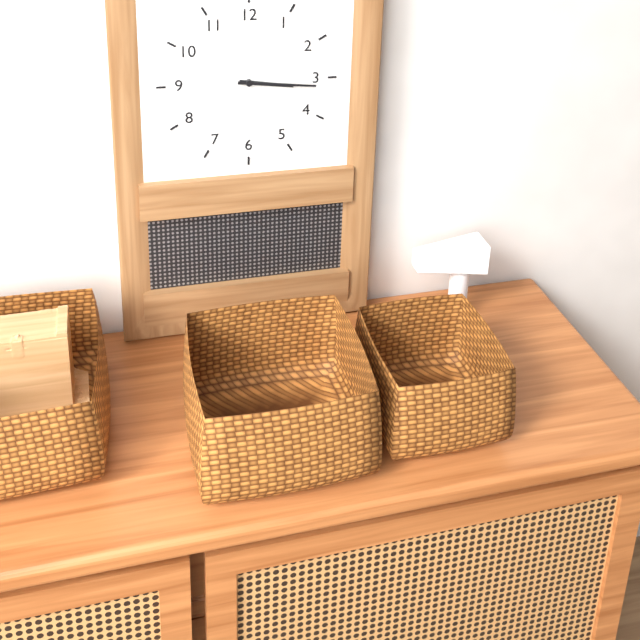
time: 3:16
